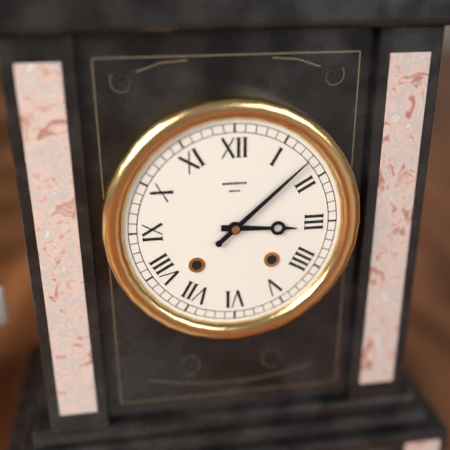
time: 3:08
